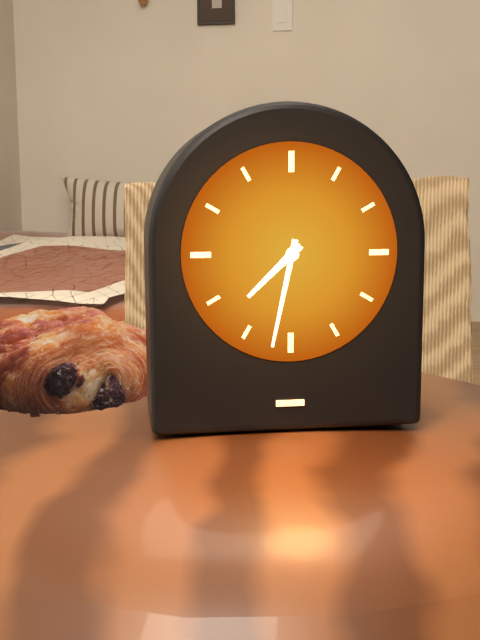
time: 7:32
